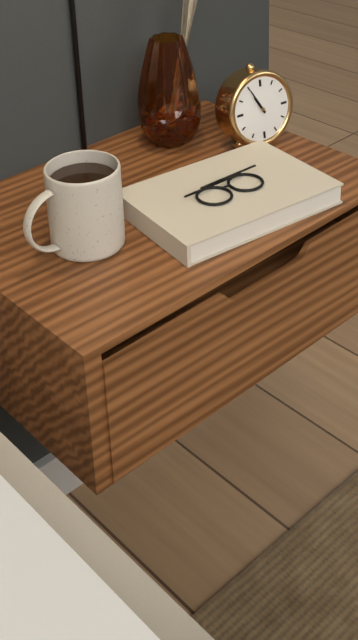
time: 10:55
